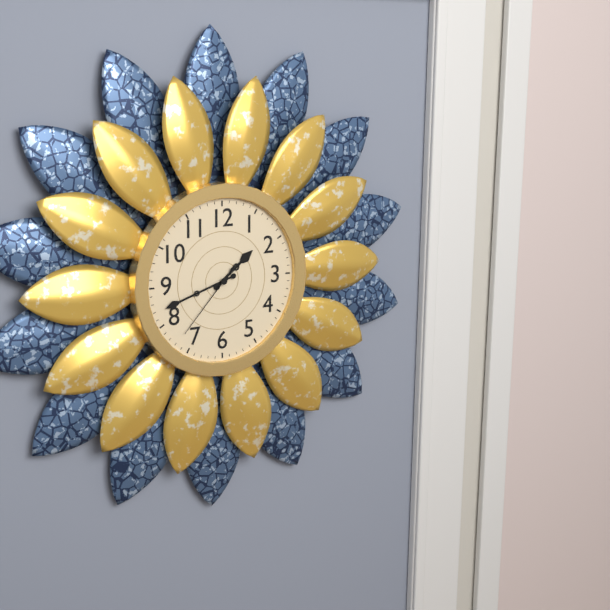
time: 1:42:37
